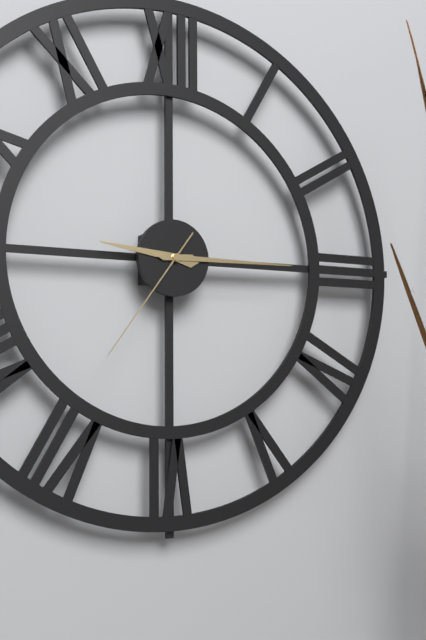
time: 9:15:36
